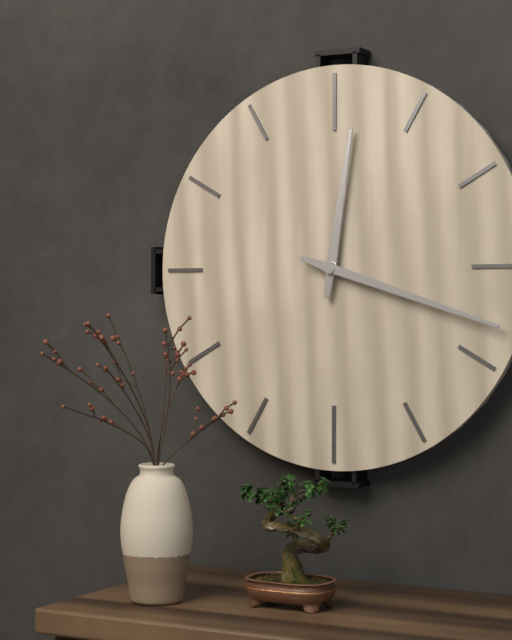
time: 12:18
